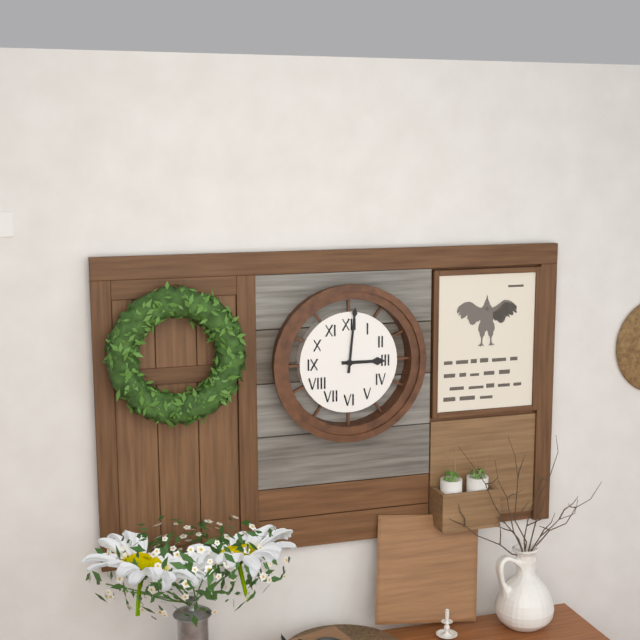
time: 3:01
